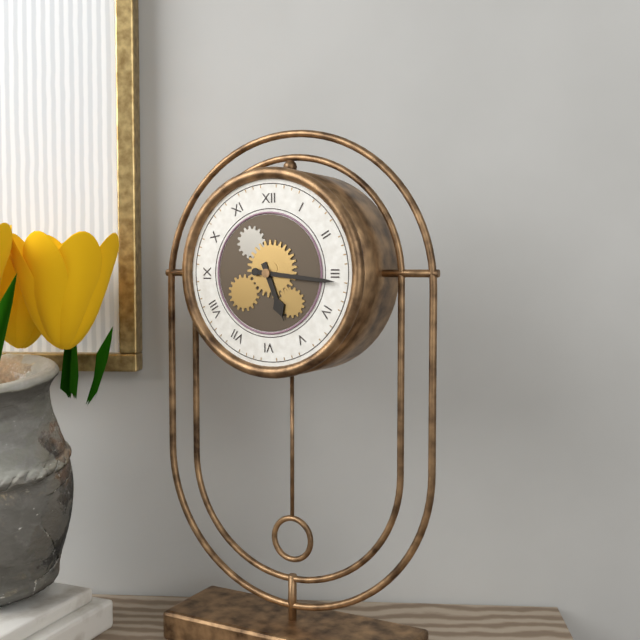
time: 5:16
